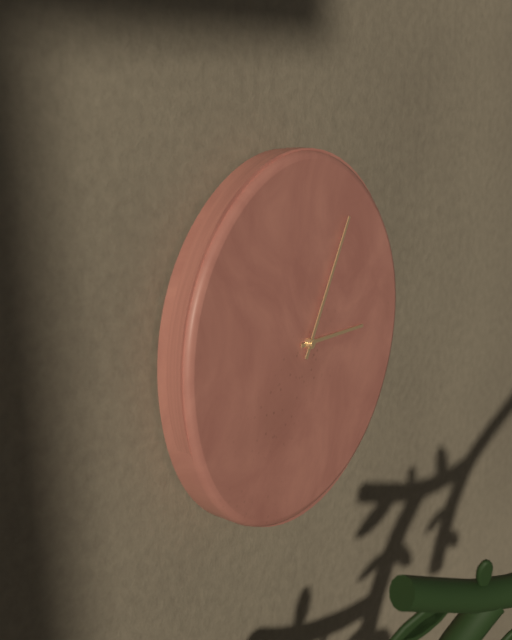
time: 3:05
